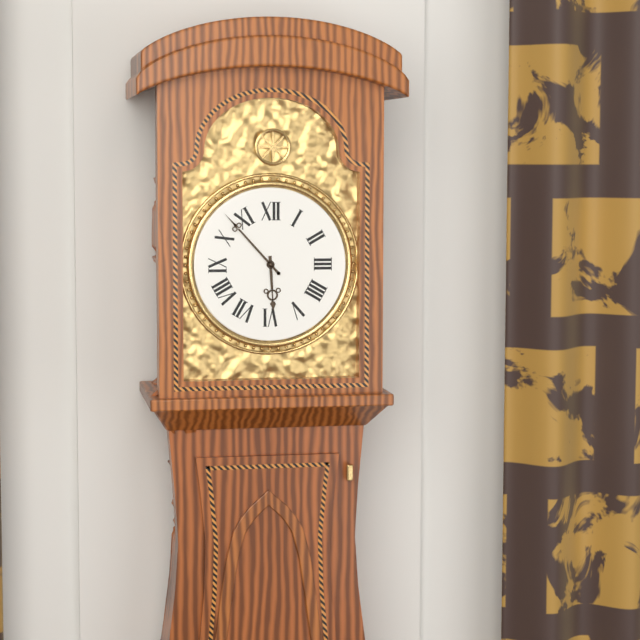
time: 5:53
